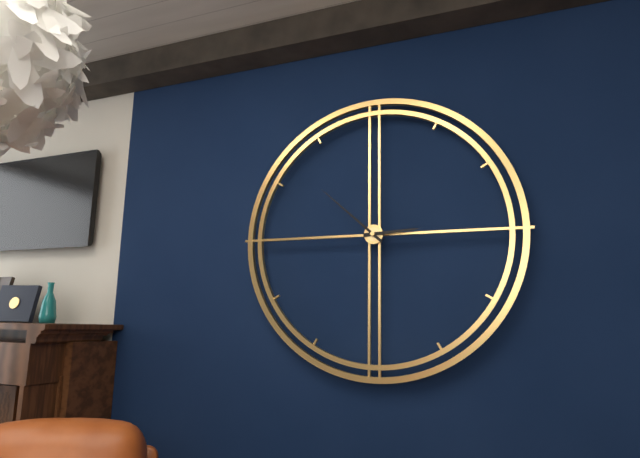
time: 2:52
